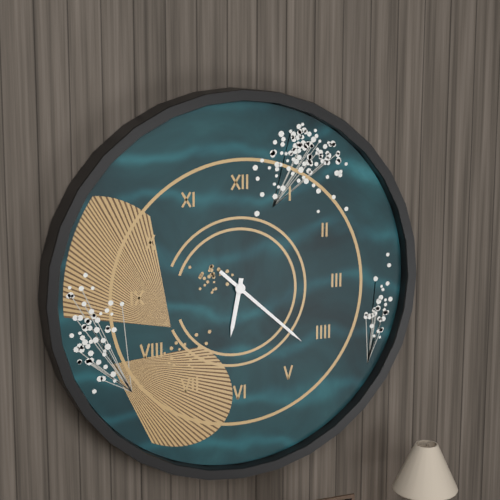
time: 6:22
